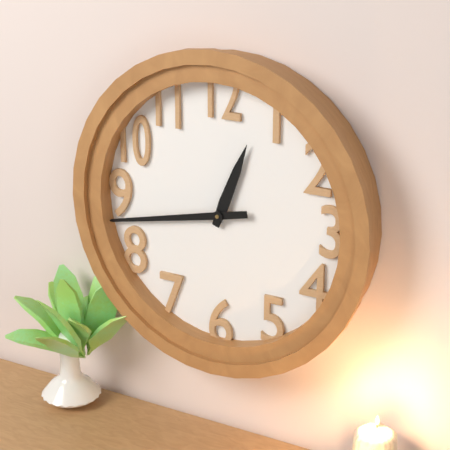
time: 12:43
